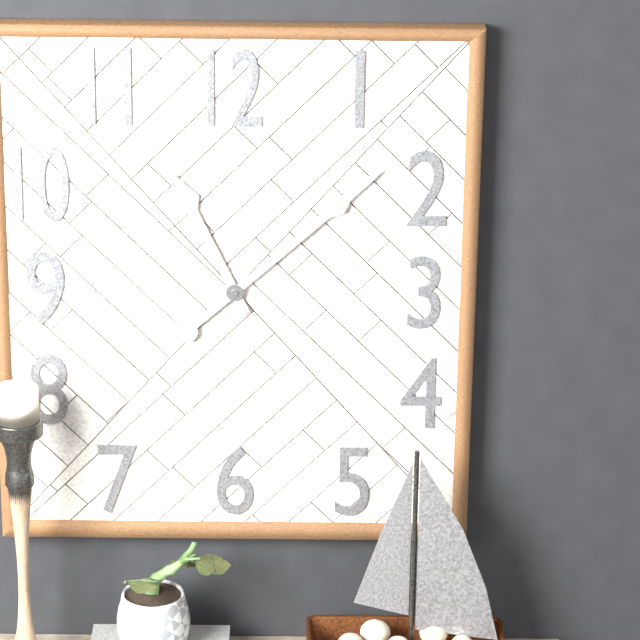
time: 11:08
